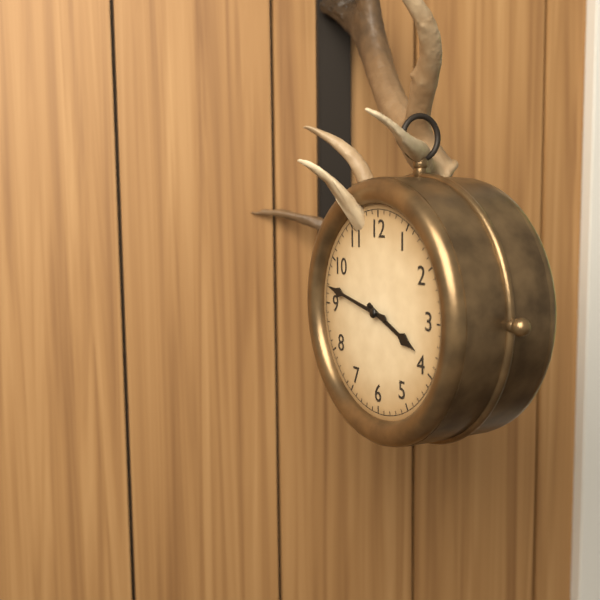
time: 3:47
